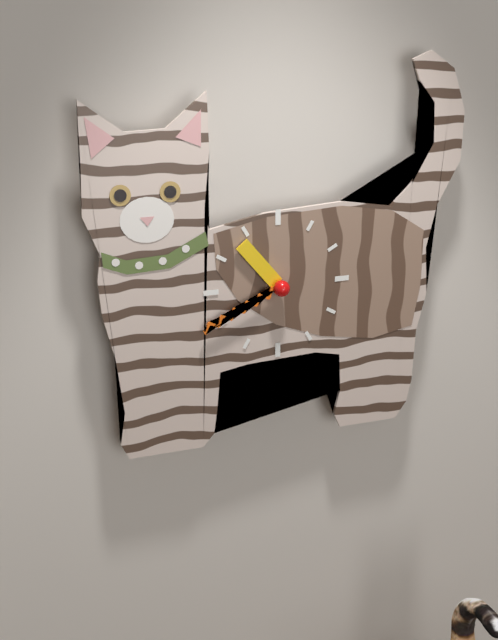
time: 10:41
